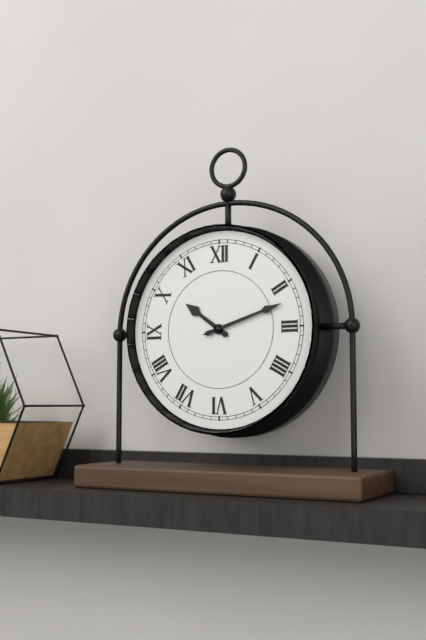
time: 10:12
